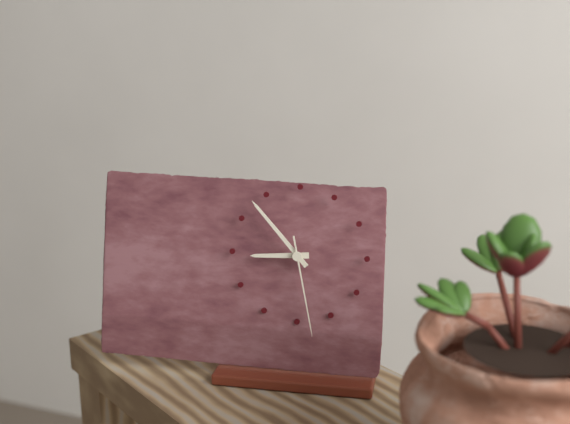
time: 8:53:28
